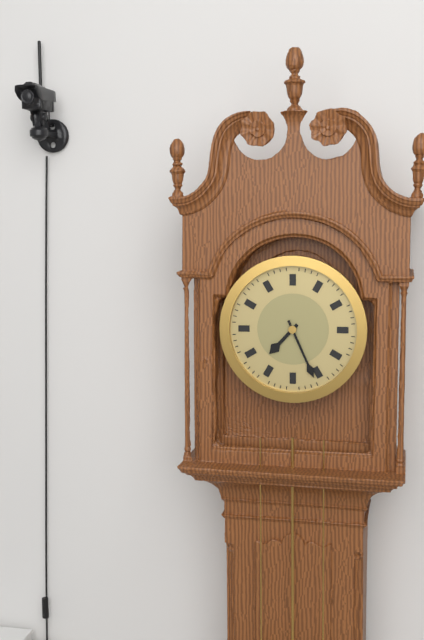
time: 7:26
